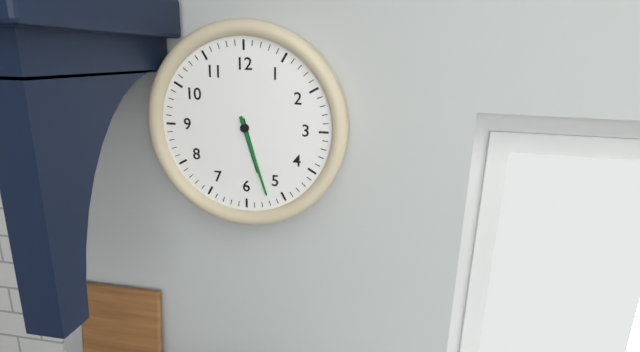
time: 5:27
